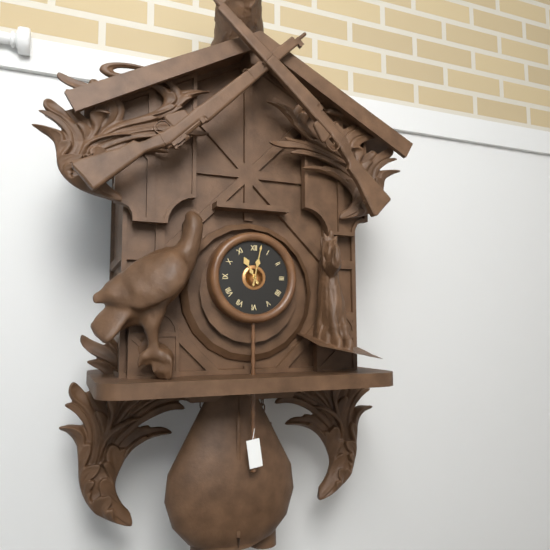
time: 11:02
